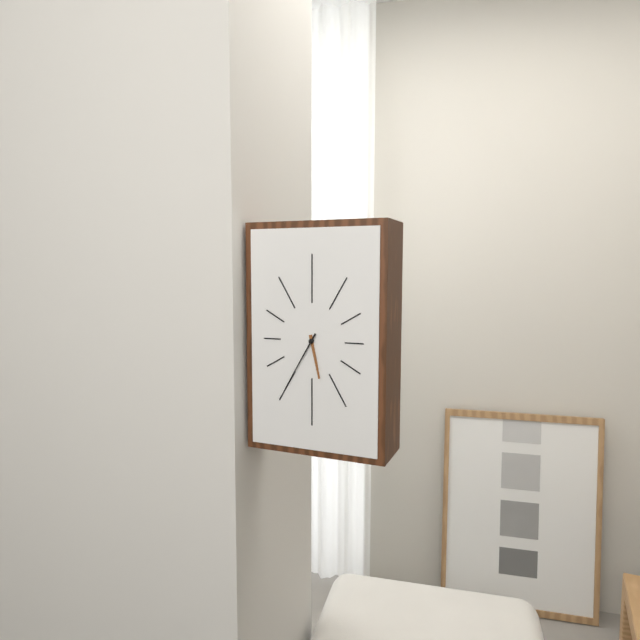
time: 5:35
